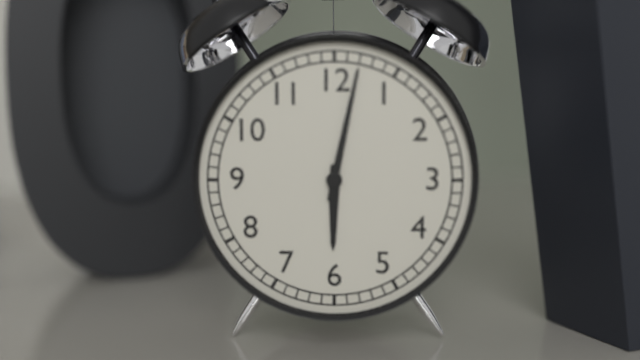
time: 6:02
